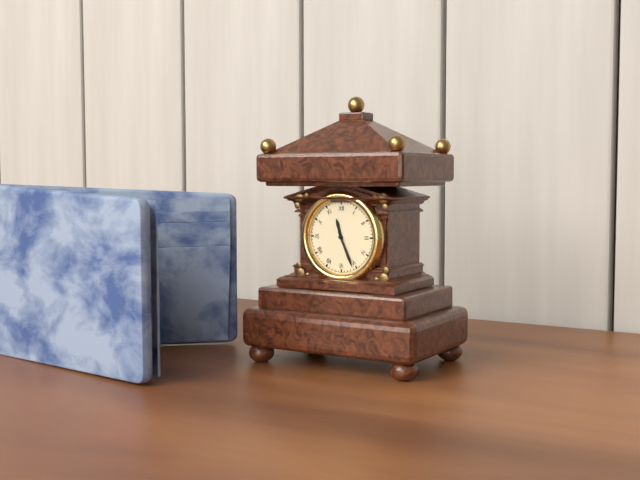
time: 11:26
